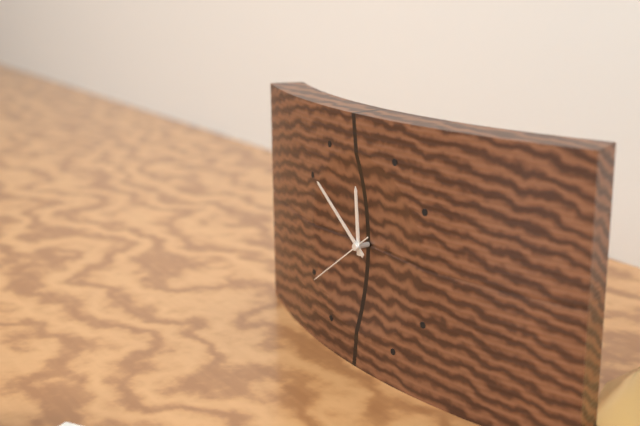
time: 11:51:39
